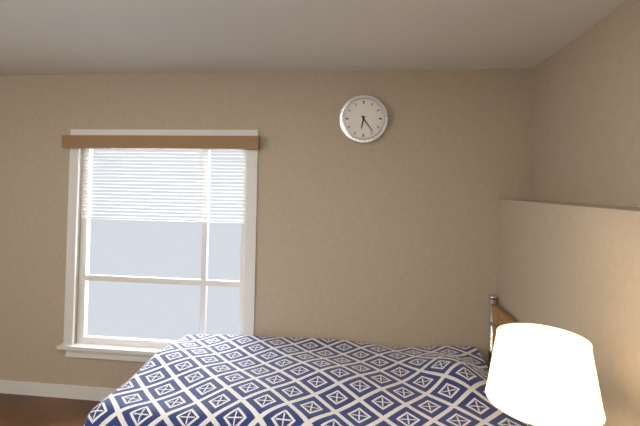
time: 6:24
